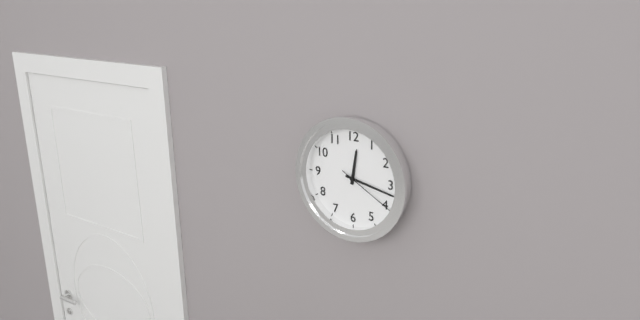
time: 12:17:20
